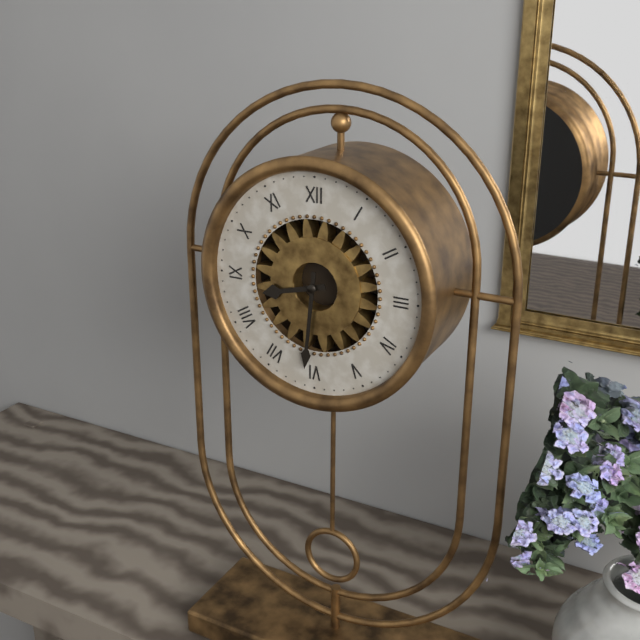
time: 8:31
